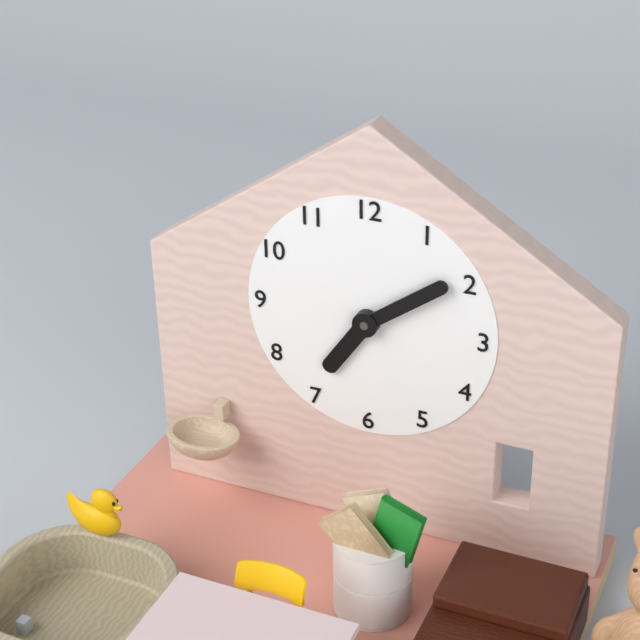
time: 7:09
